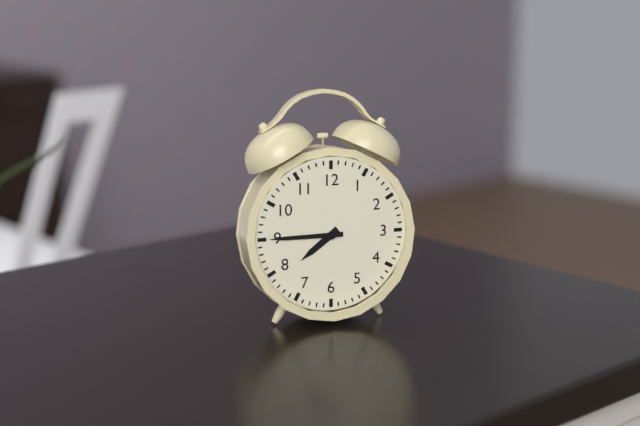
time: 7:45
